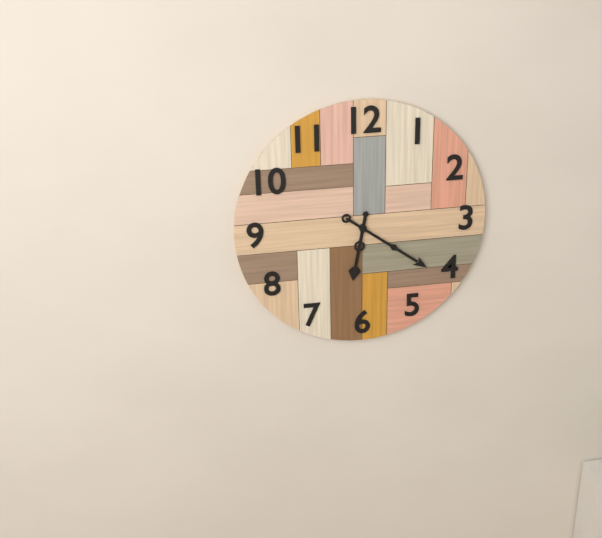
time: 6:21
